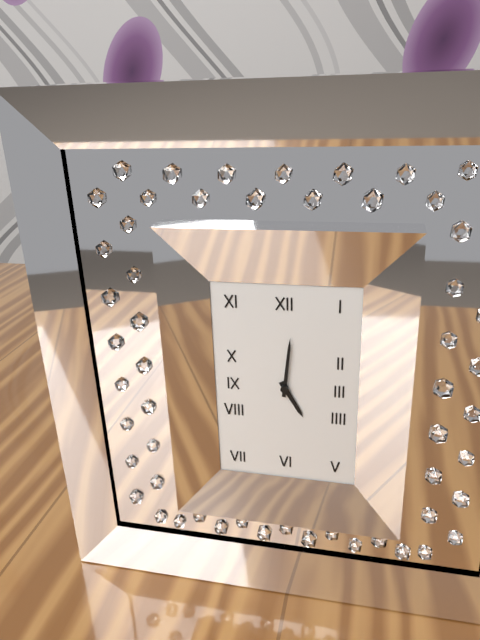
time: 5:01
